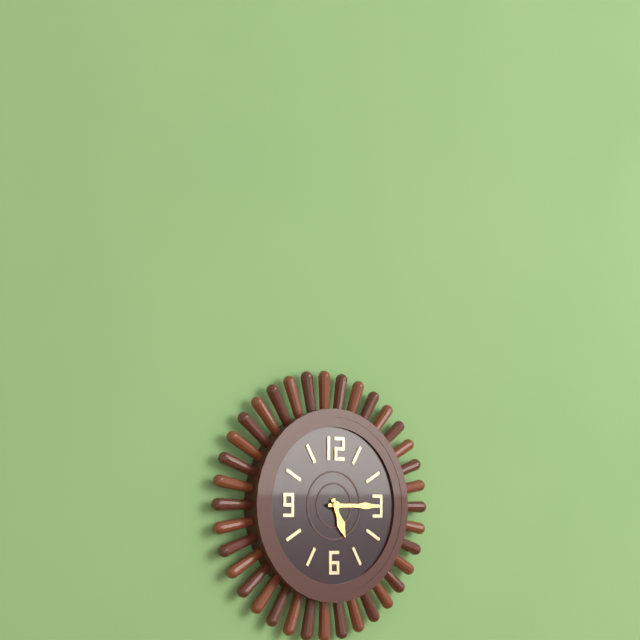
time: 5:15
